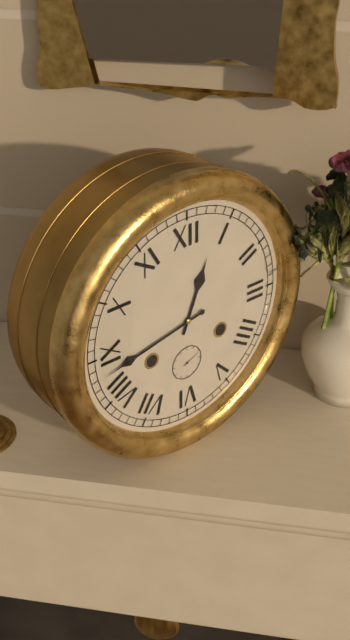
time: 12:43
